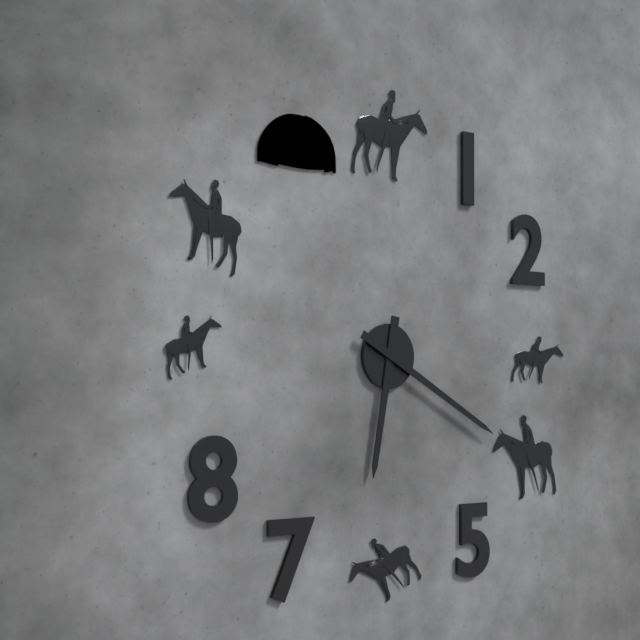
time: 6:20
